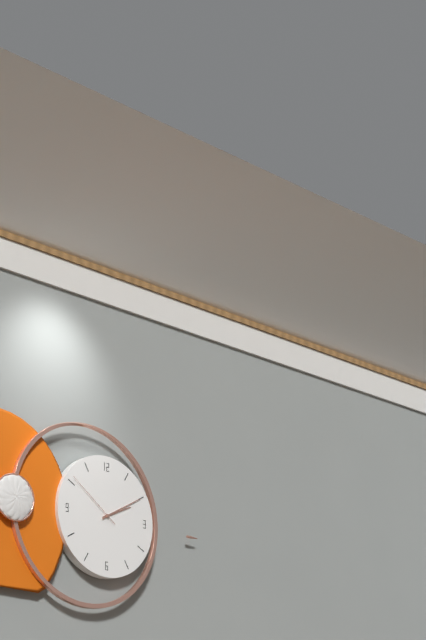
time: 2:10:51
